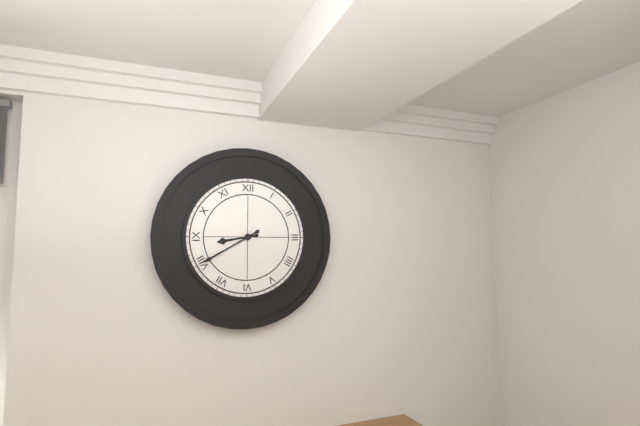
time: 8:40
